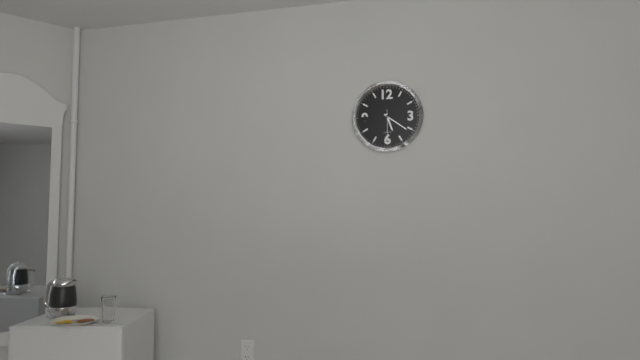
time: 5:21
